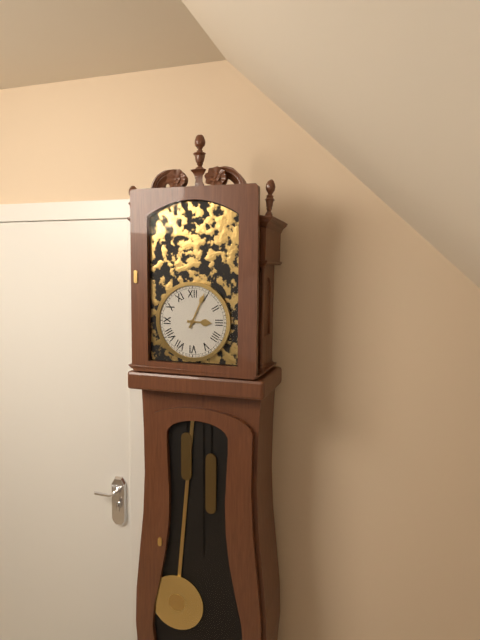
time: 3:04
